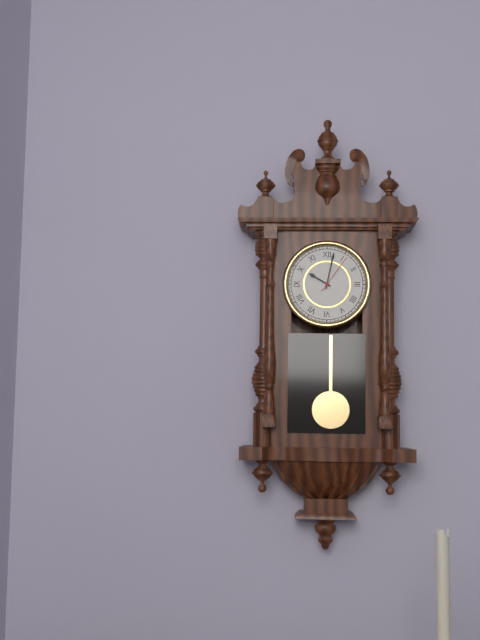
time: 10:02
